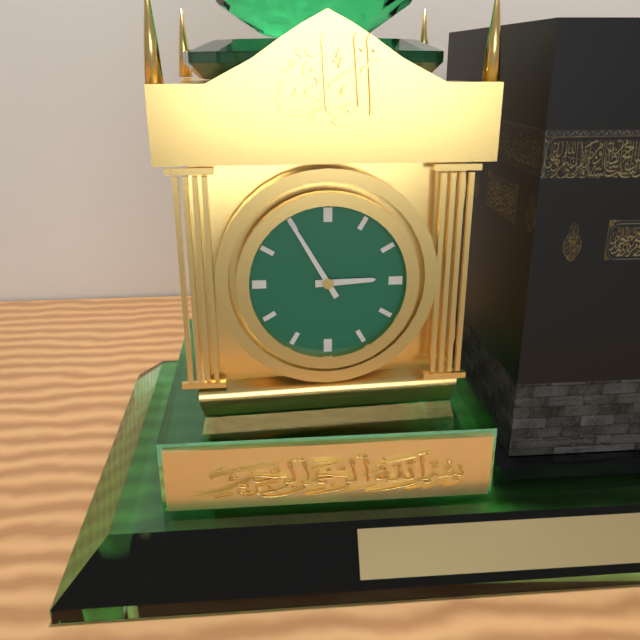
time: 2:55
